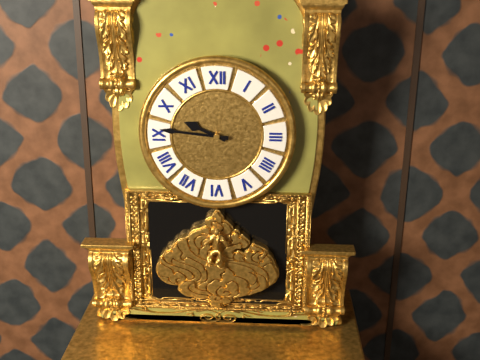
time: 9:46
